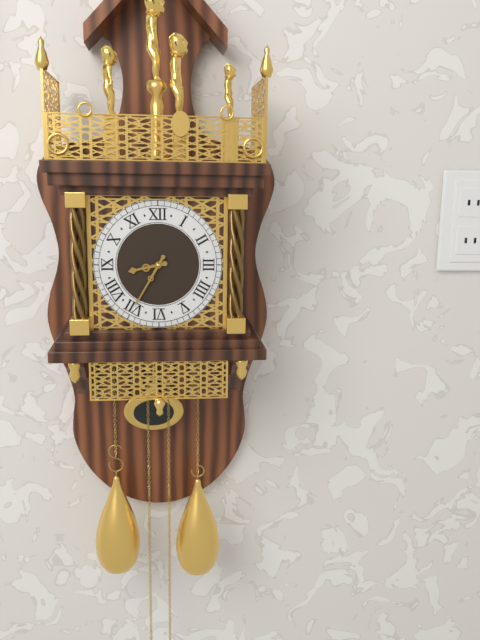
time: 8:35
